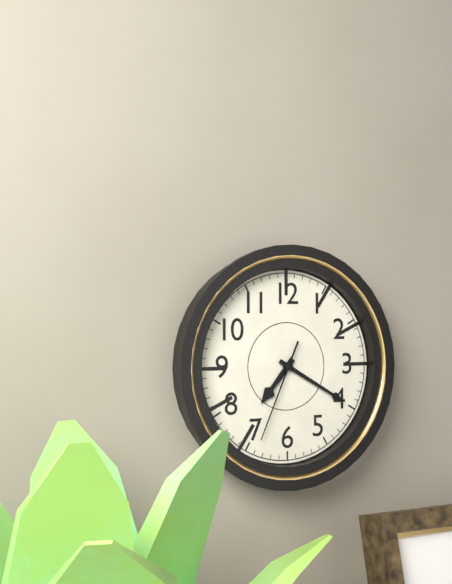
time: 7:20:34
